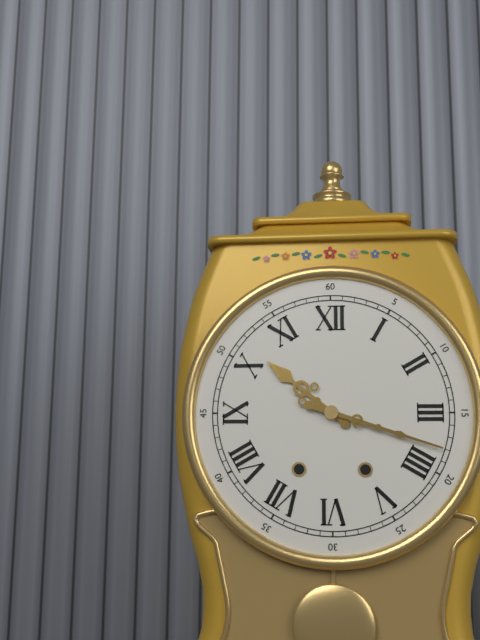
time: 10:18
